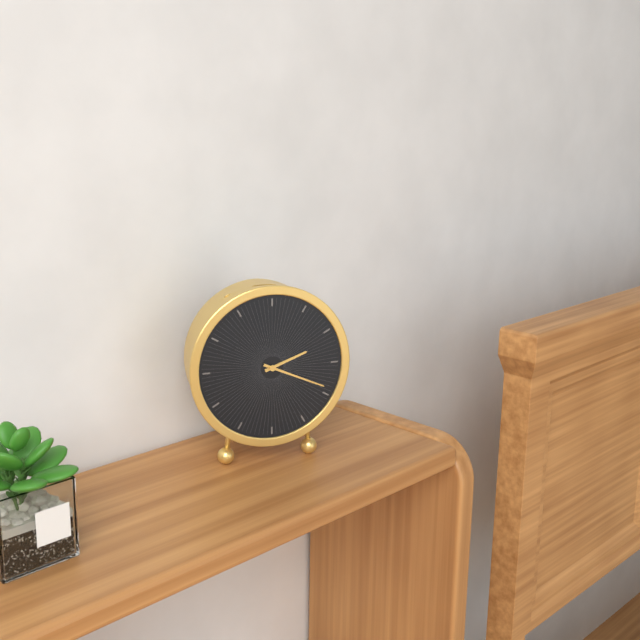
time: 2:19
